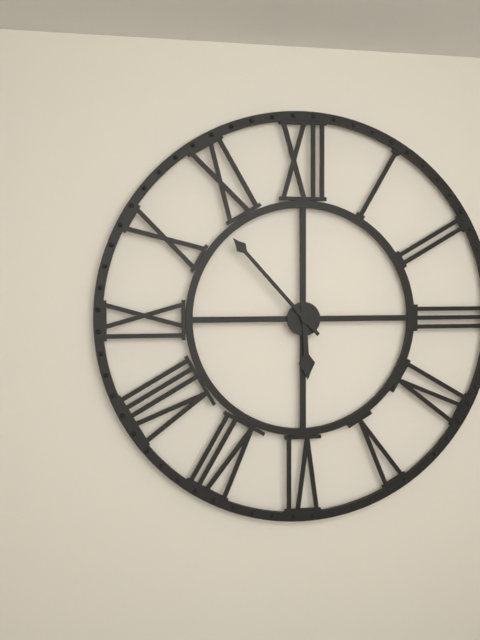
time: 5:53
